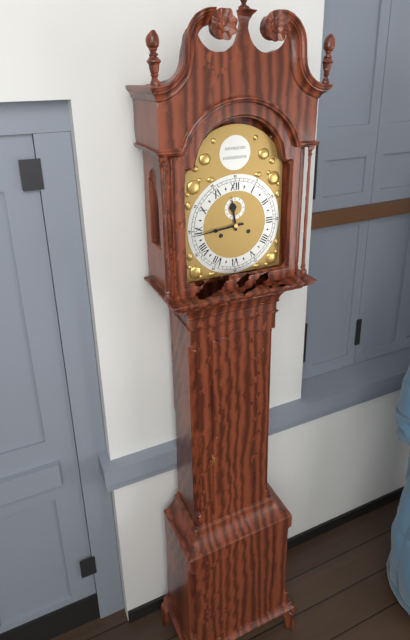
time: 11:44
